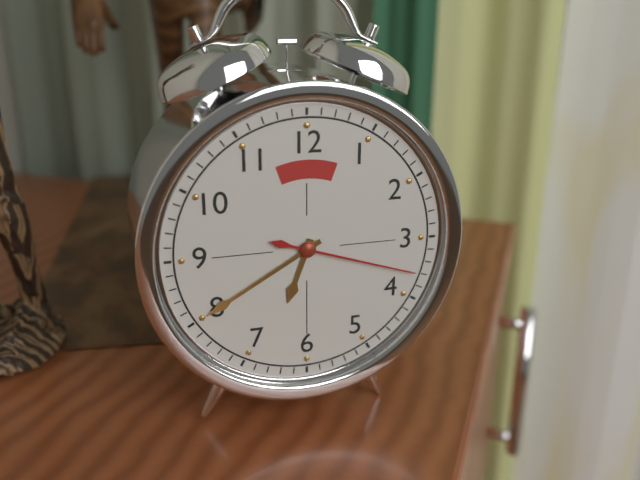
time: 6:40:18
